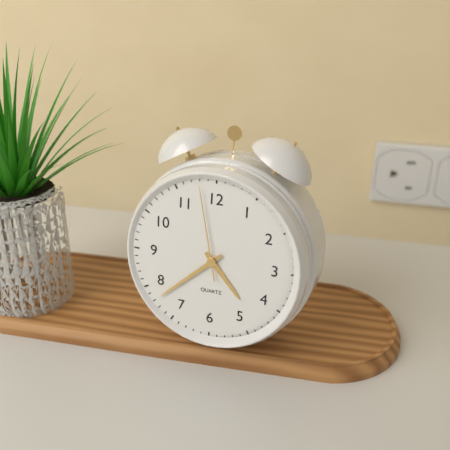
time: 4:38:58
